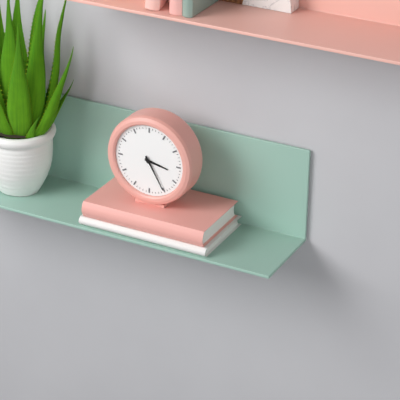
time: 3:25
